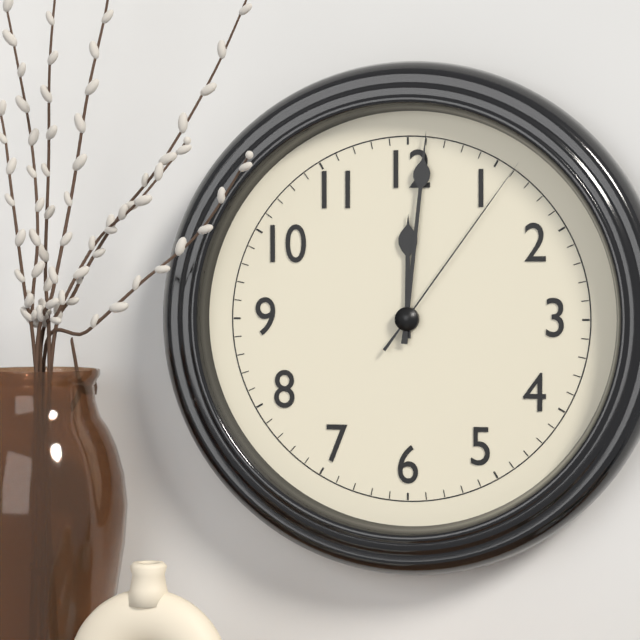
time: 12:01:06
